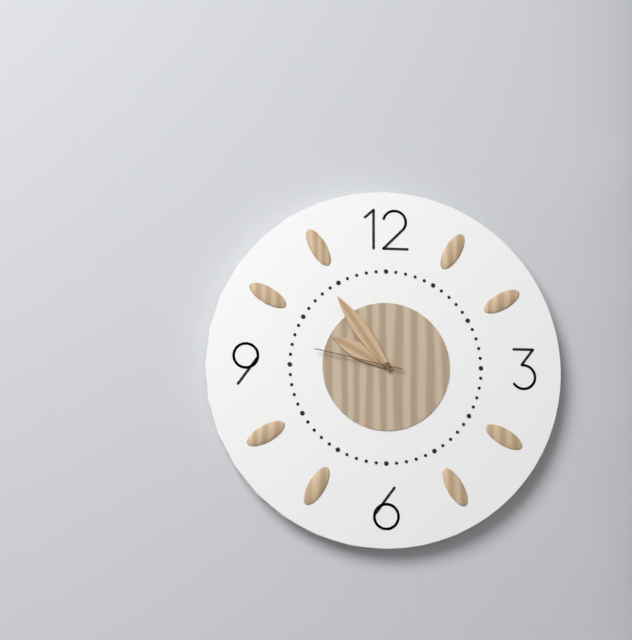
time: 9:54:47
